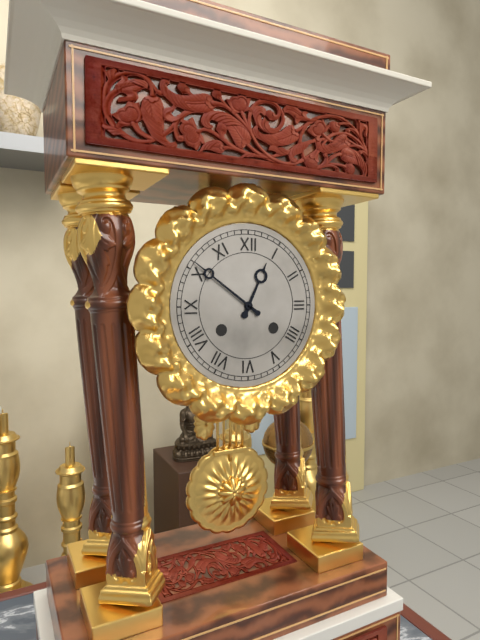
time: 12:51
